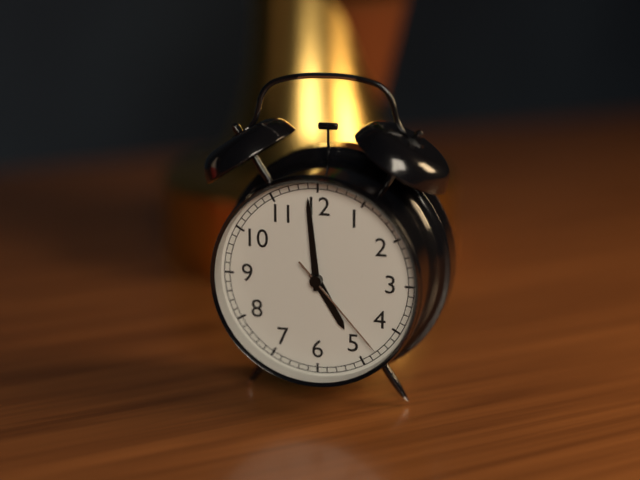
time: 4:59:23
